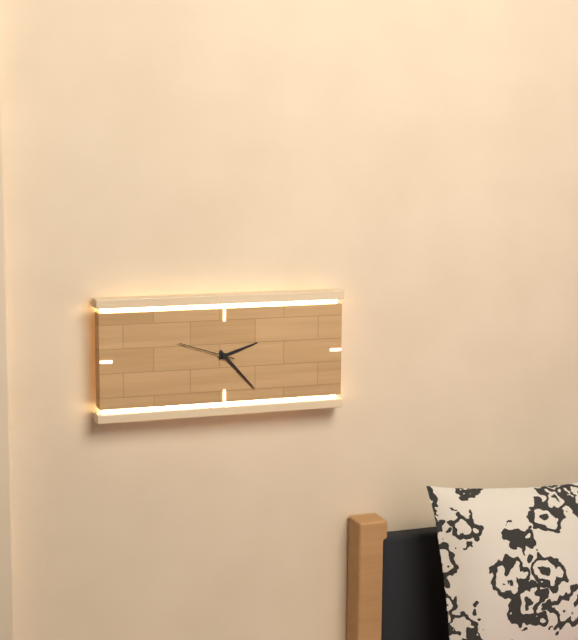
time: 2:23:48
